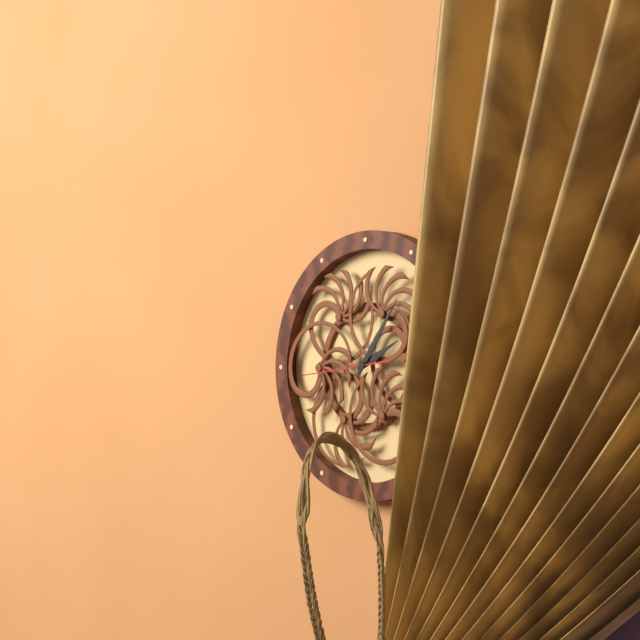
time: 2:06:44
